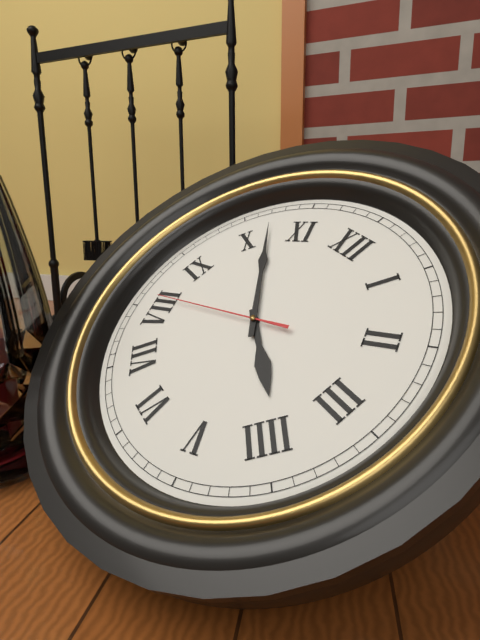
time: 3:52:41
